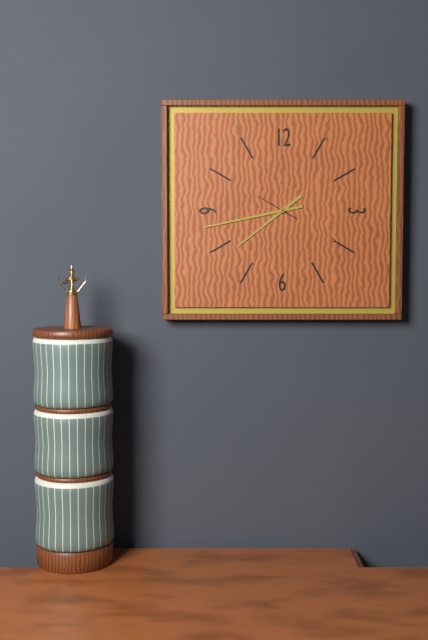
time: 7:43
